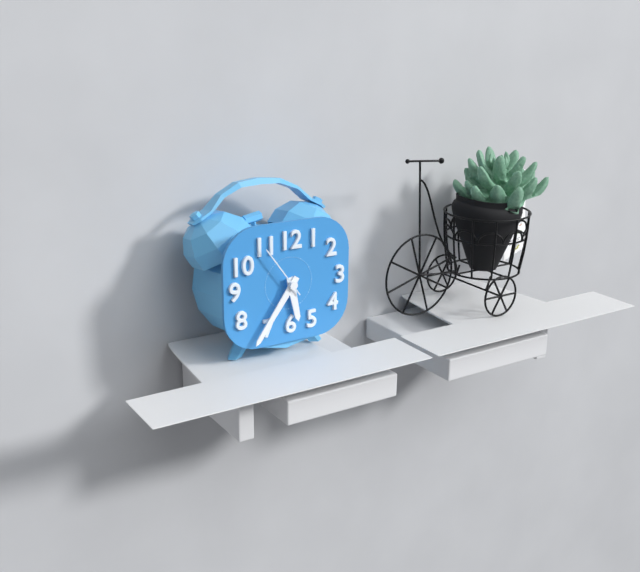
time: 5:36:54
